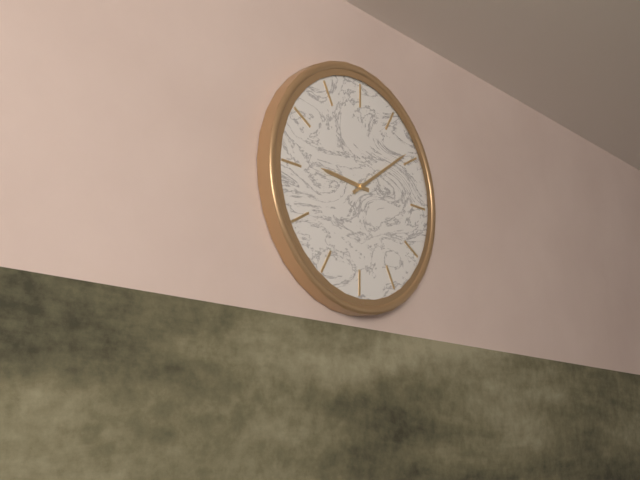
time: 9:09
